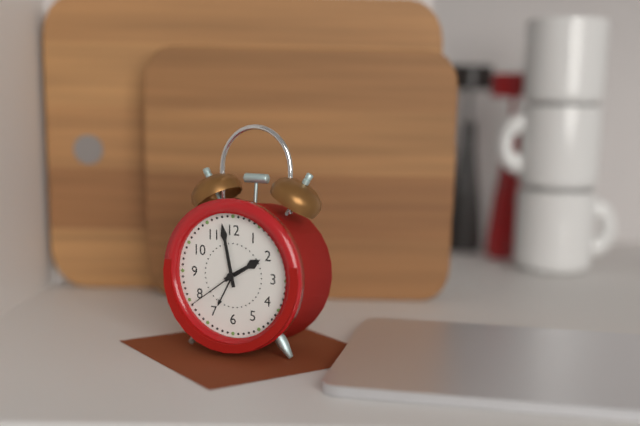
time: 1:58:39
